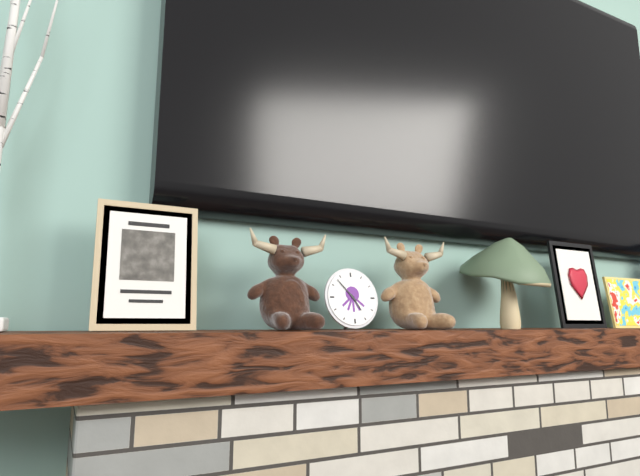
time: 4:53
